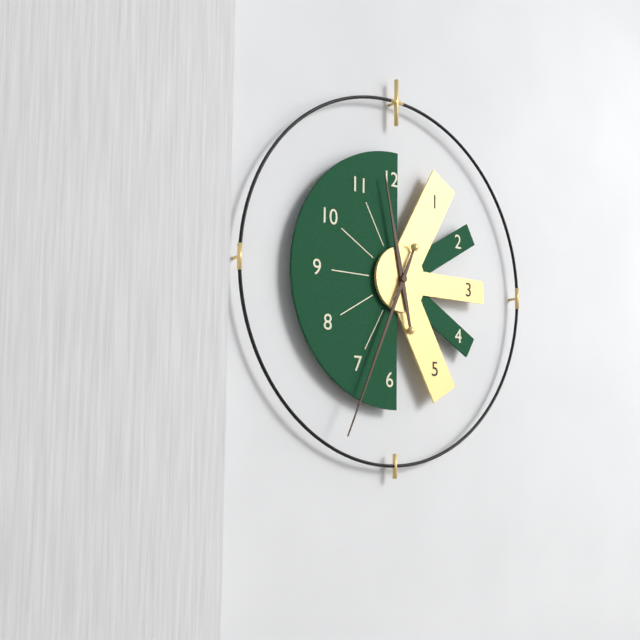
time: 11:34
